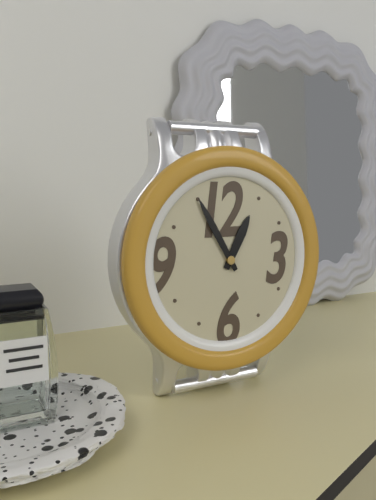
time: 12:55
